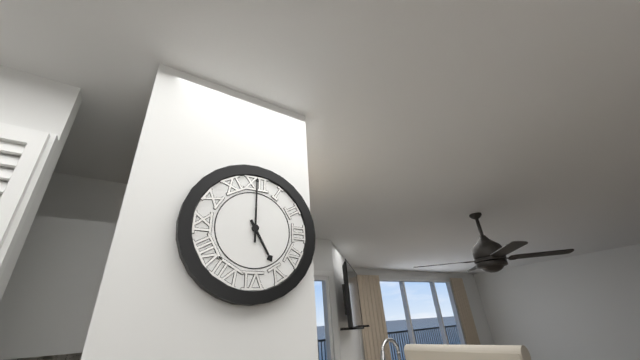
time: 5:00
